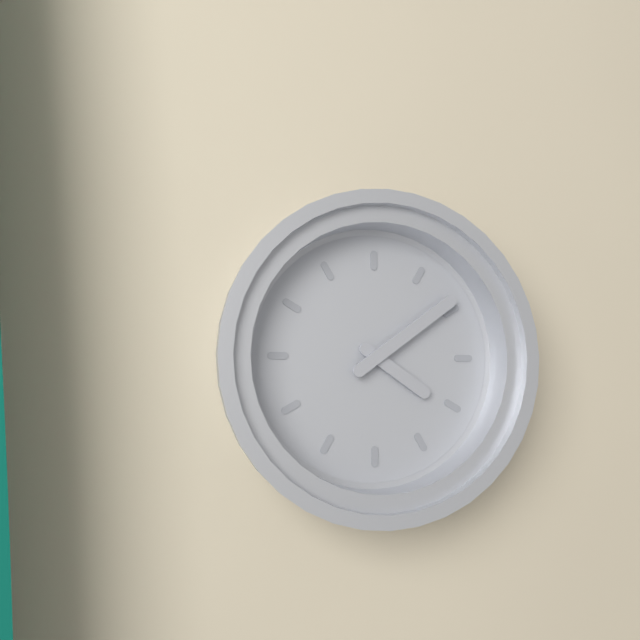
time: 4:09
